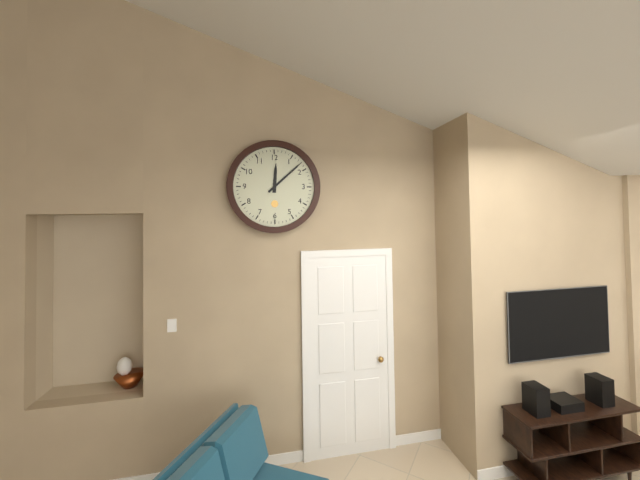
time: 12:08
